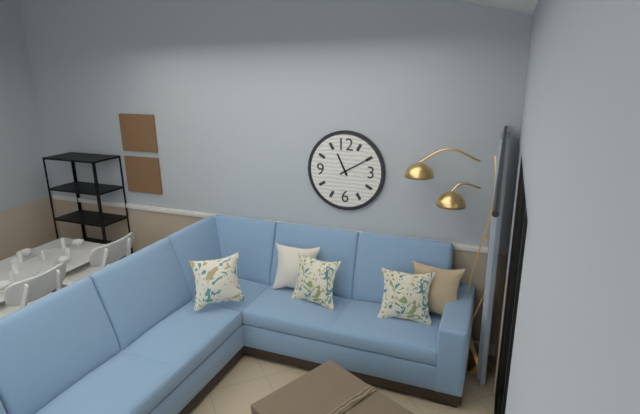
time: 11:10
